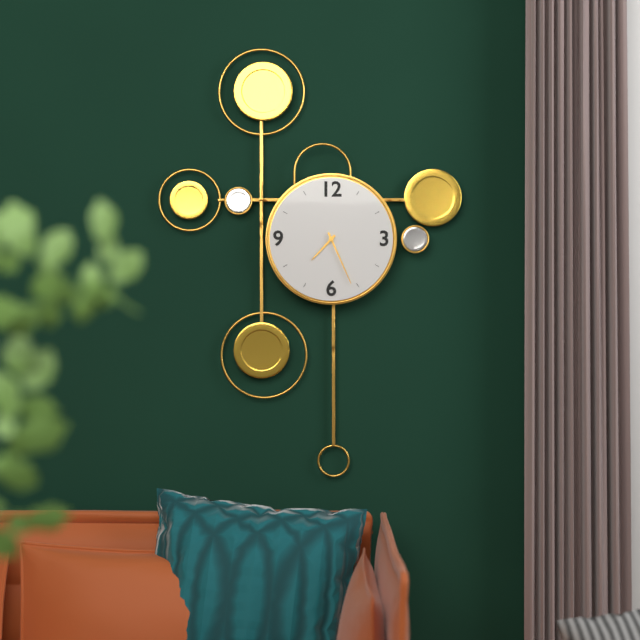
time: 7:26
